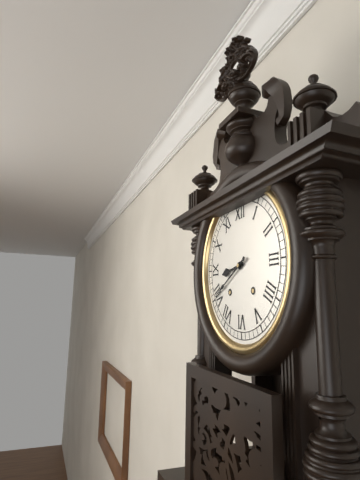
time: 8:40
